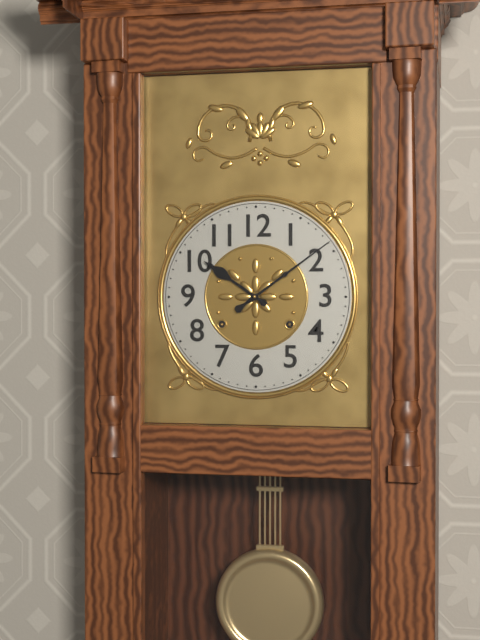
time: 10:09
